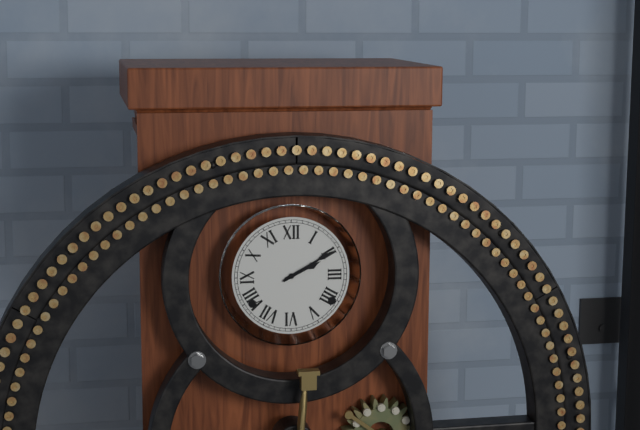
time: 2:10
